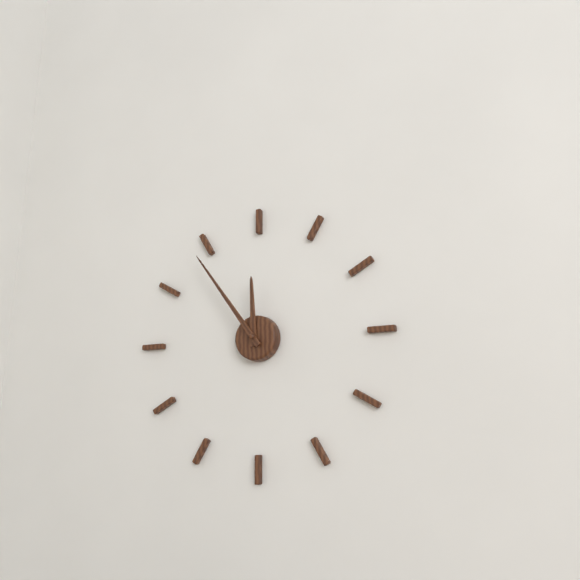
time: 11:54
